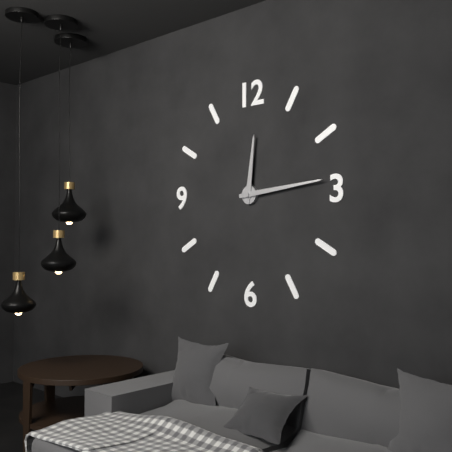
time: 12:14
